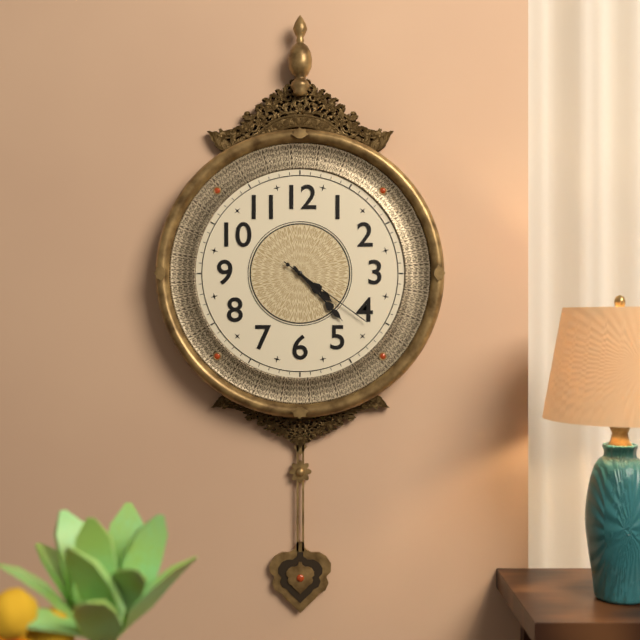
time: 4:23:21
